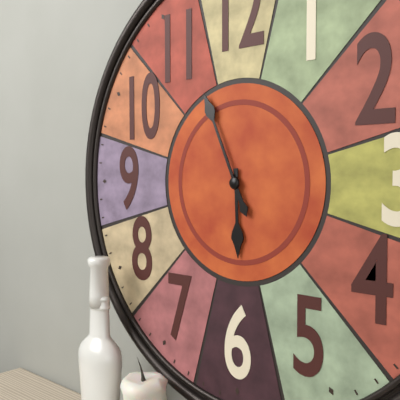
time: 5:56
